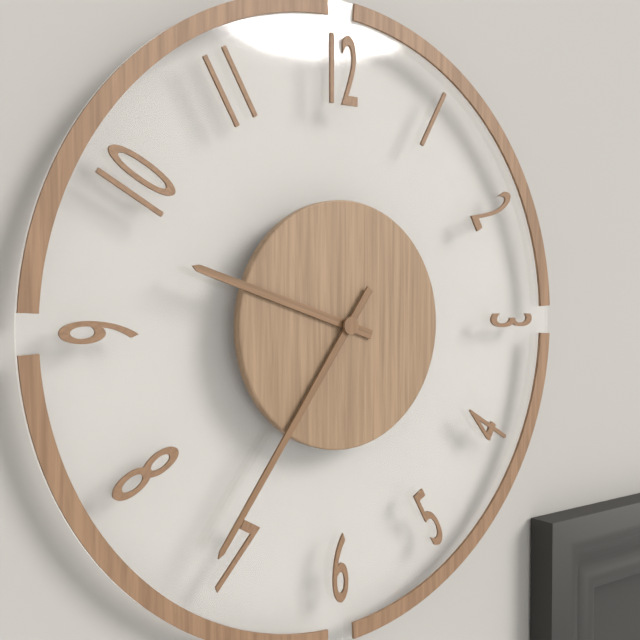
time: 9:36
